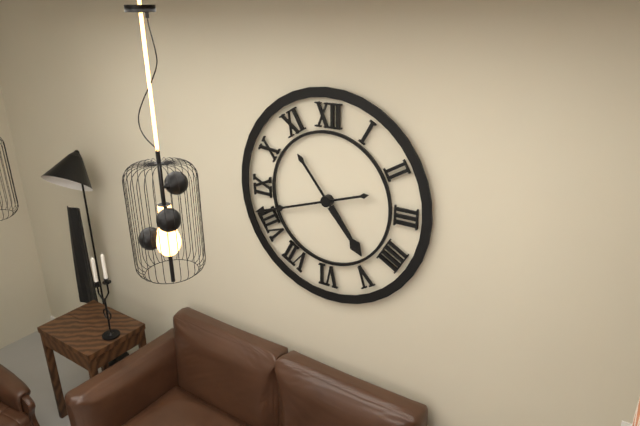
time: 4:42
